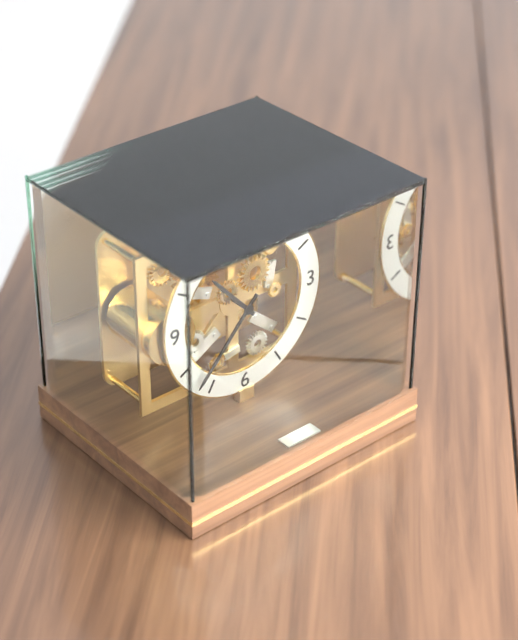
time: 10:37
